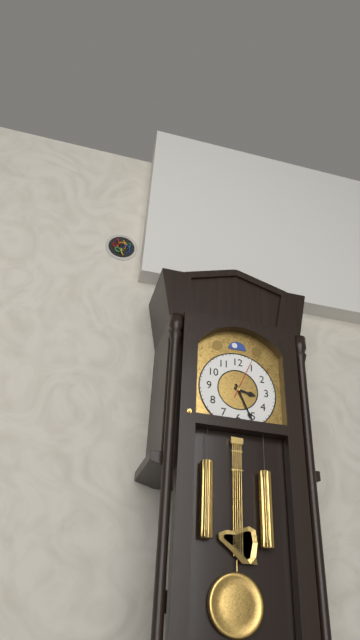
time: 3:26
